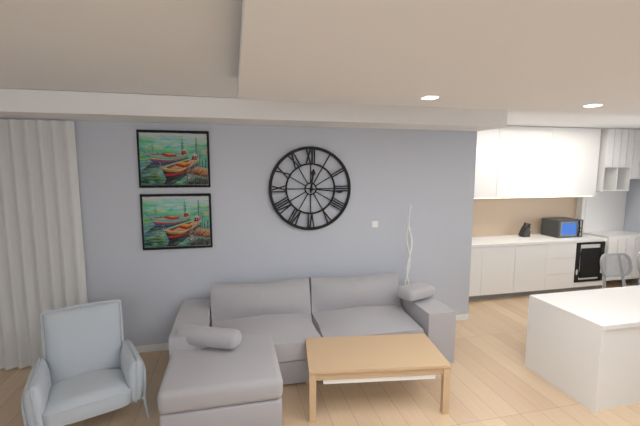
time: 12:16
